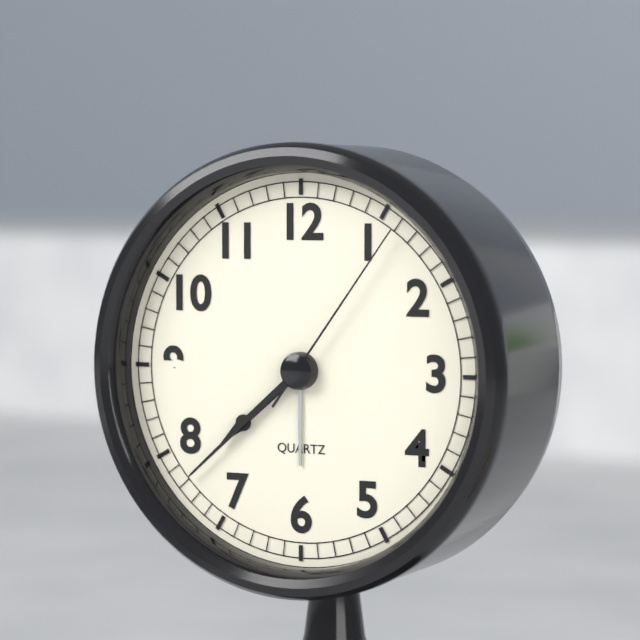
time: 7:38:06
